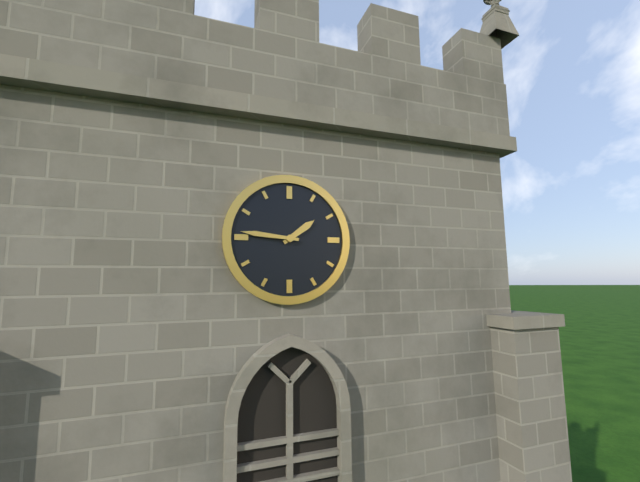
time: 1:46
